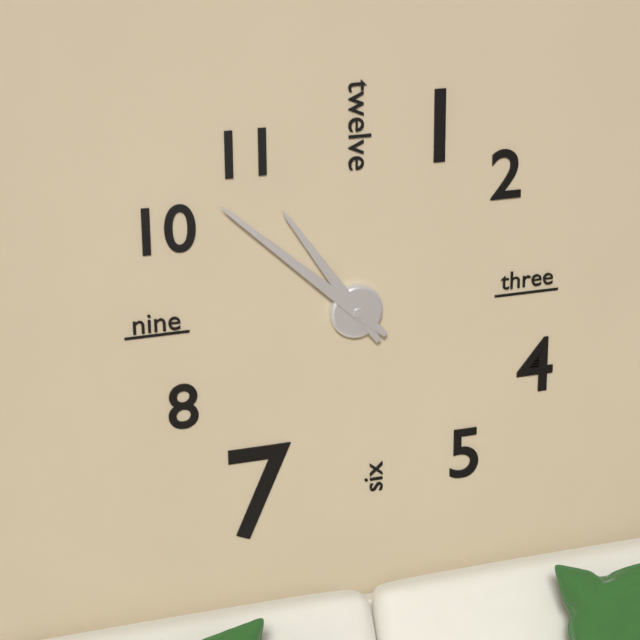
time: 10:52
